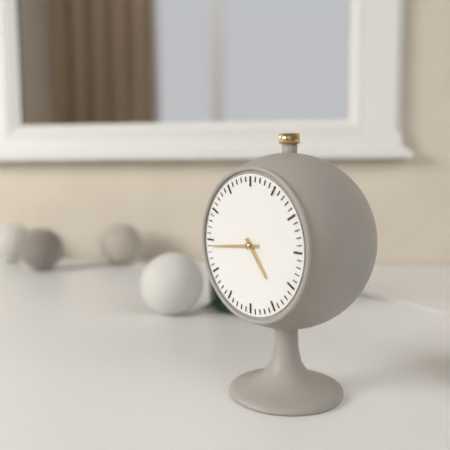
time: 4:44
